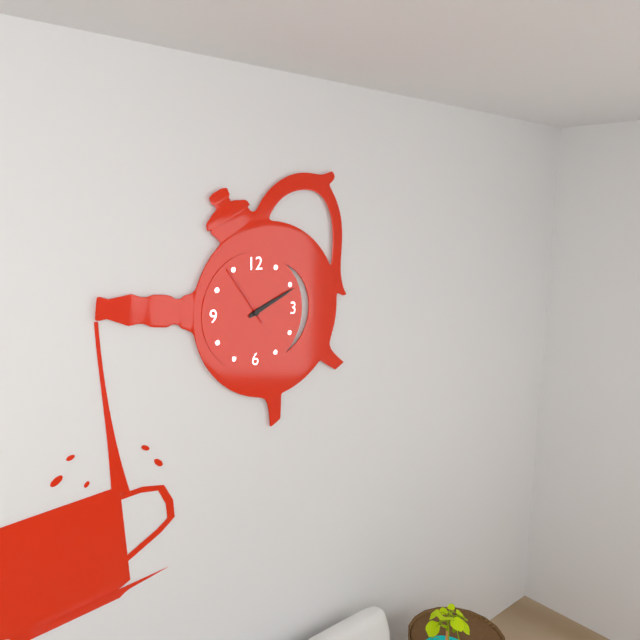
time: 2:11:54
